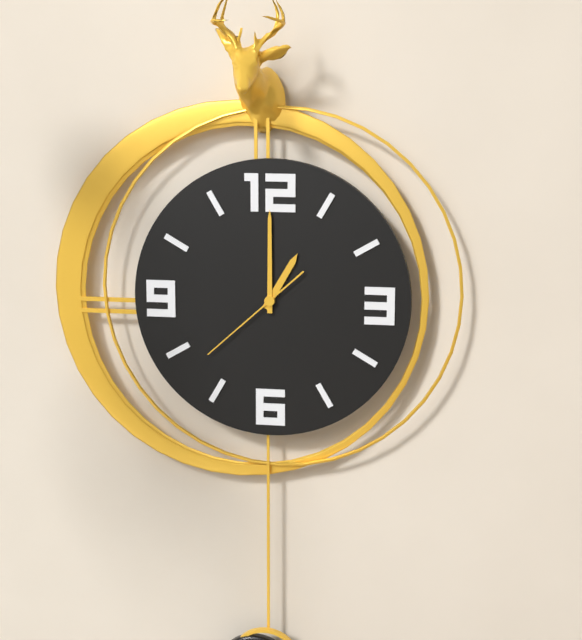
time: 1:00:38
